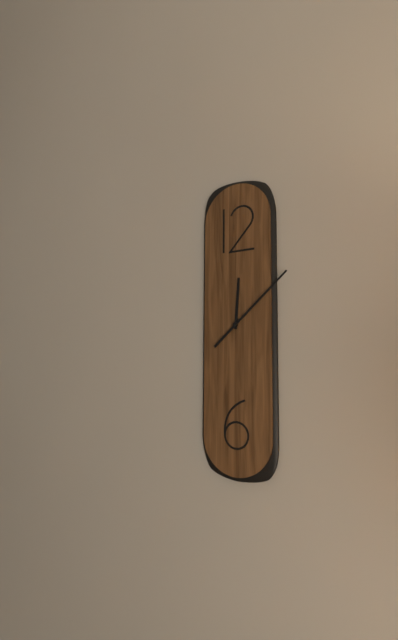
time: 12:08
